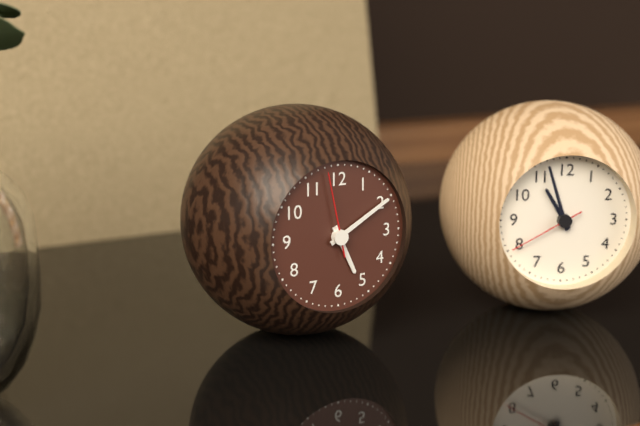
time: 5:10:58
